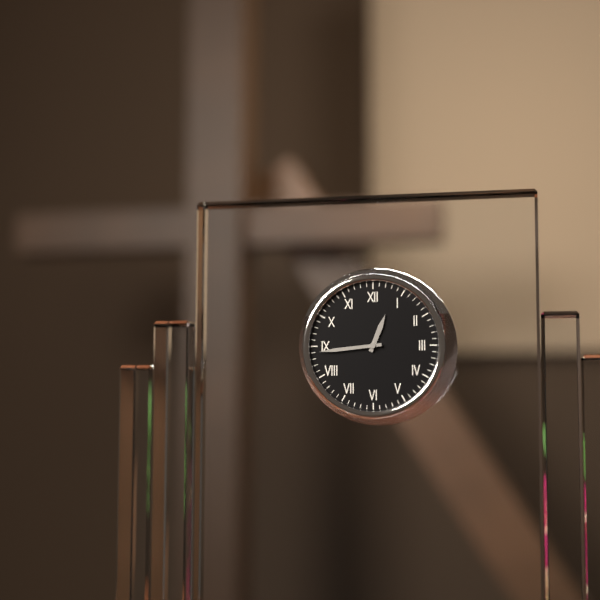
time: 12:44
